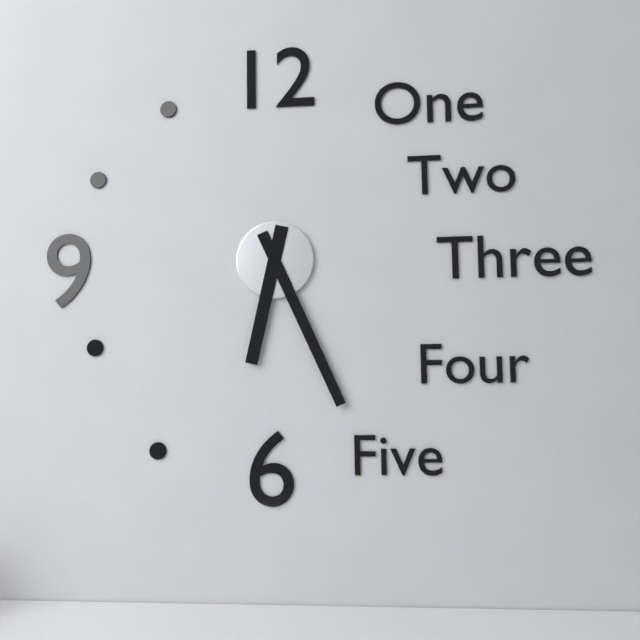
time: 6:26
